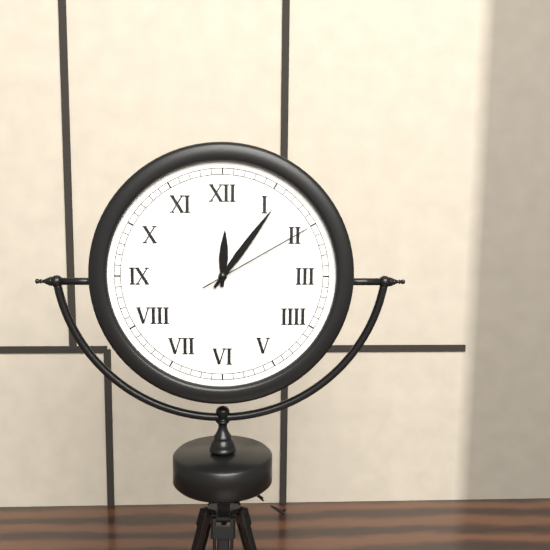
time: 12:06:10
